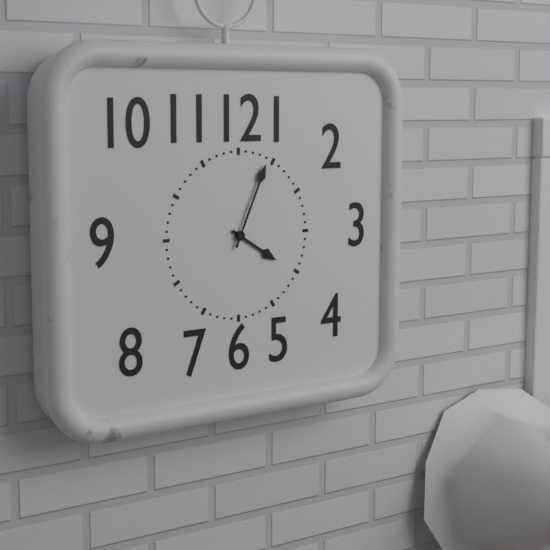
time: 4:04
